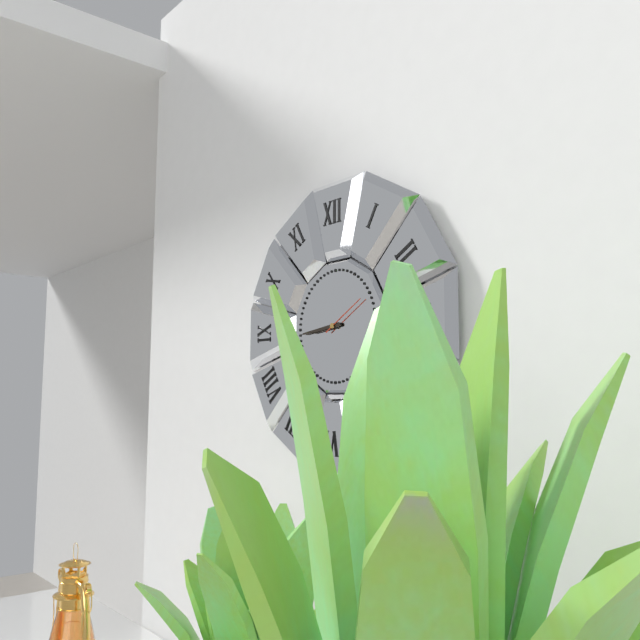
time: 8:44
